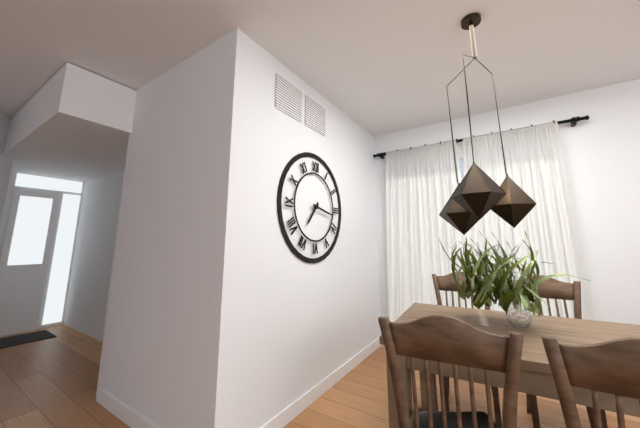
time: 7:17
